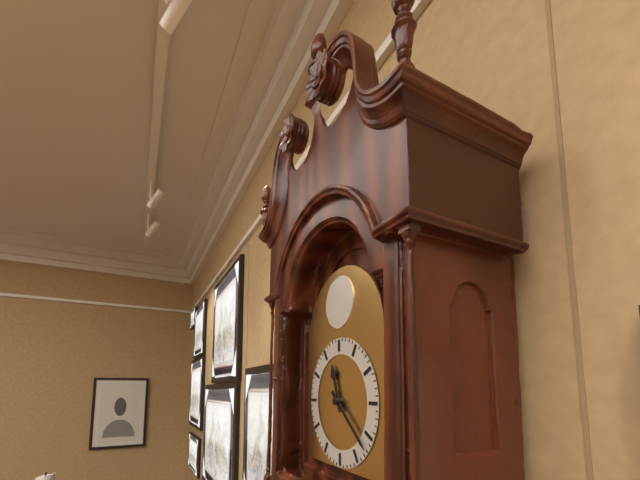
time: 11:22
